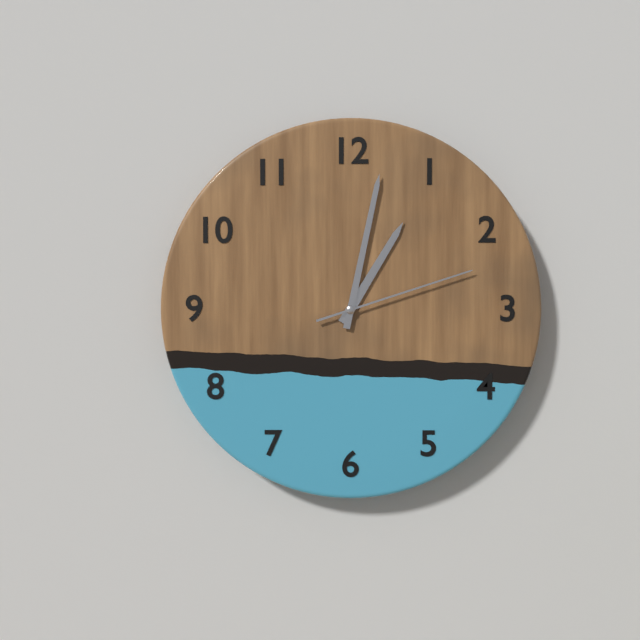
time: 1:02:12
